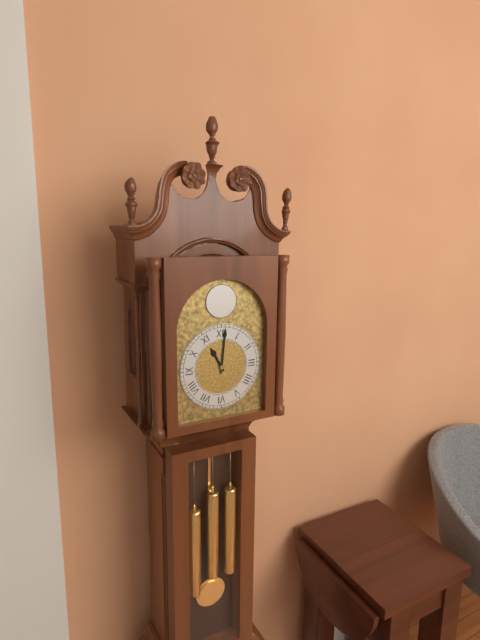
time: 11:01
